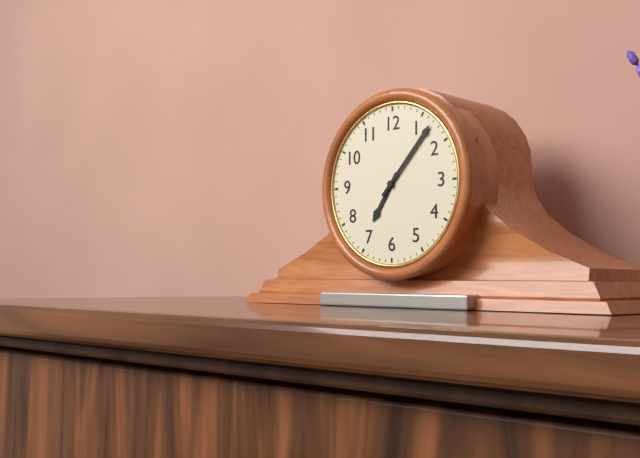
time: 7:07
